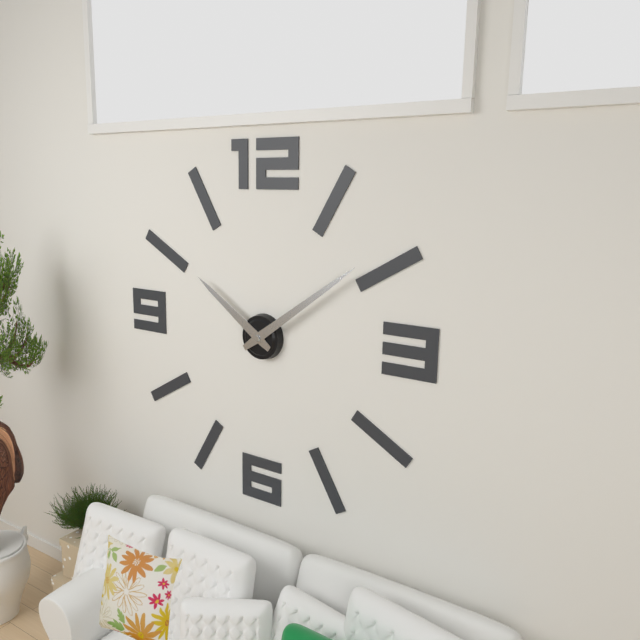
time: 10:09
